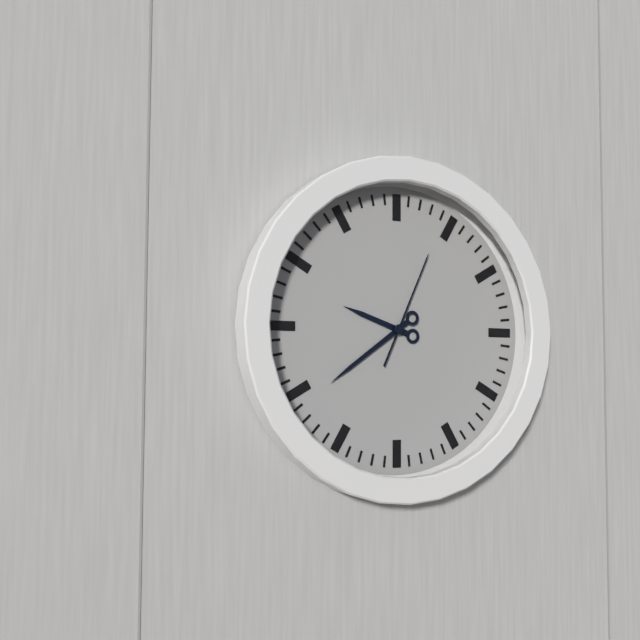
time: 9:39:04
